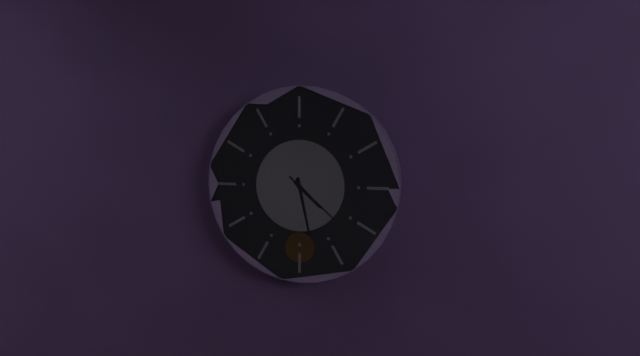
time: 4:28:22
